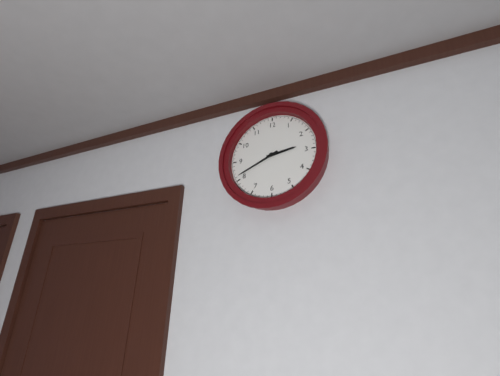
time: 2:41
